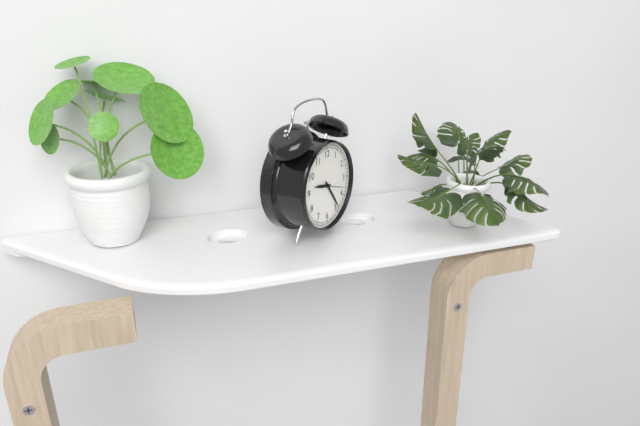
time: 9:24
